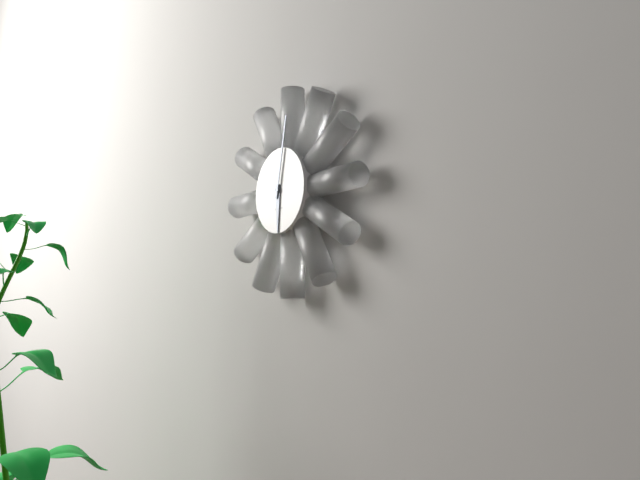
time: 6:02
